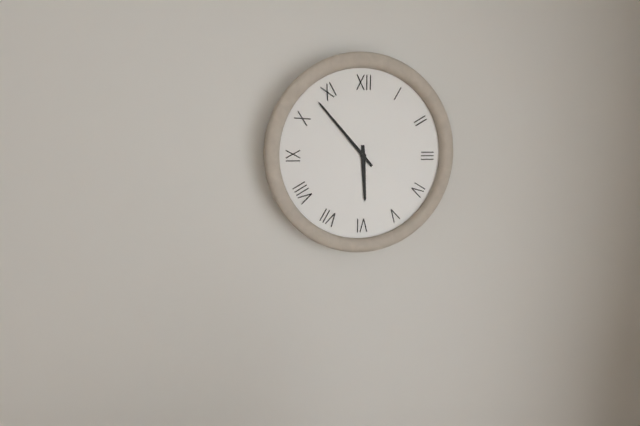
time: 5:53
